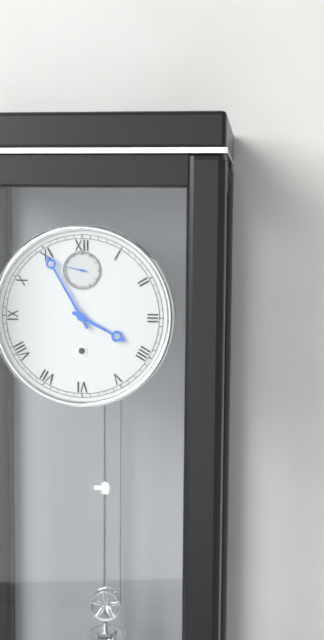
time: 3:55
